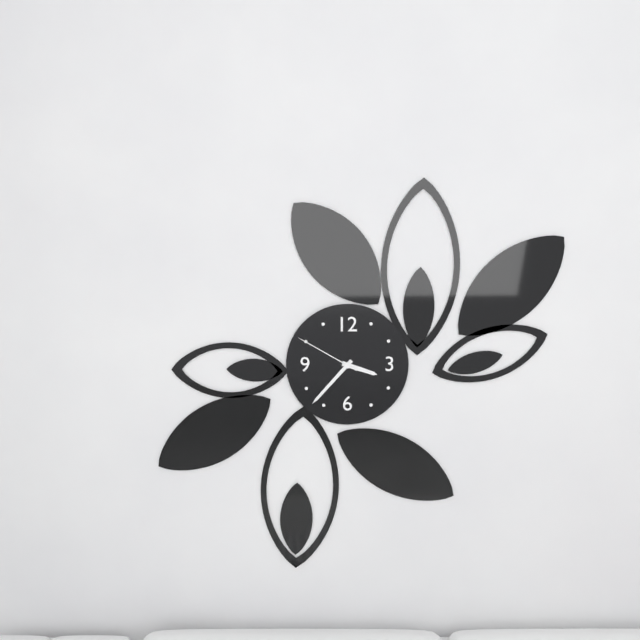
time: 3:37:50
